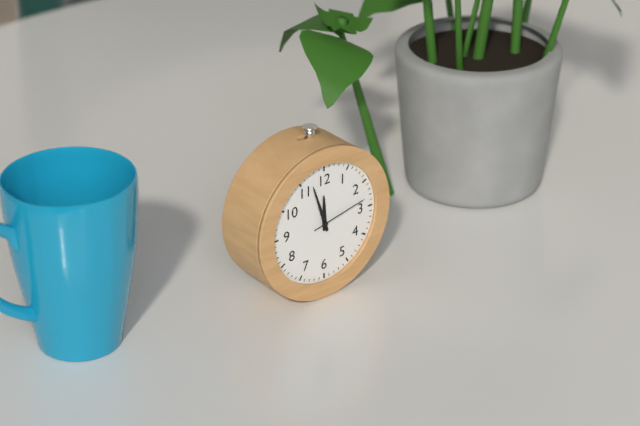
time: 11:57:13
